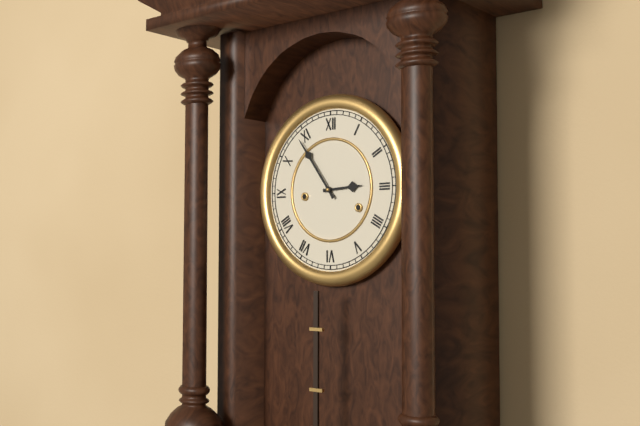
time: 2:54
